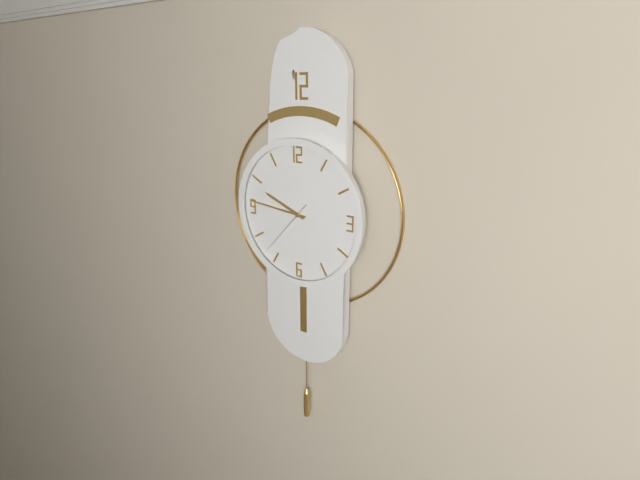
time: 9:46:37
